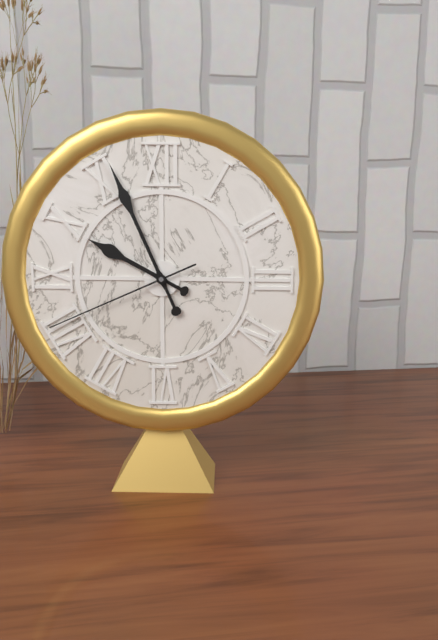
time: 9:56:41
